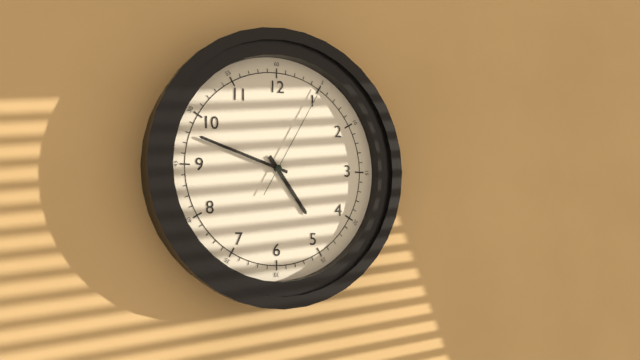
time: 4:48:05
